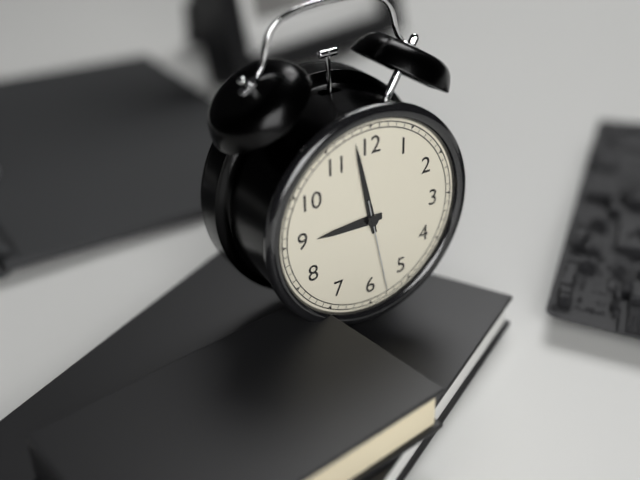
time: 8:58:28
